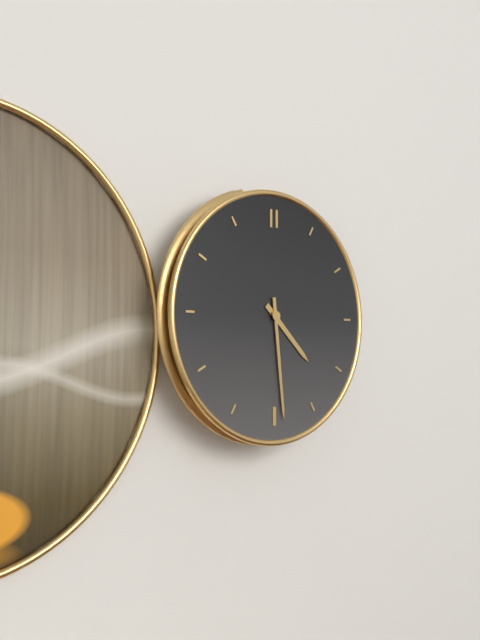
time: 4:29
